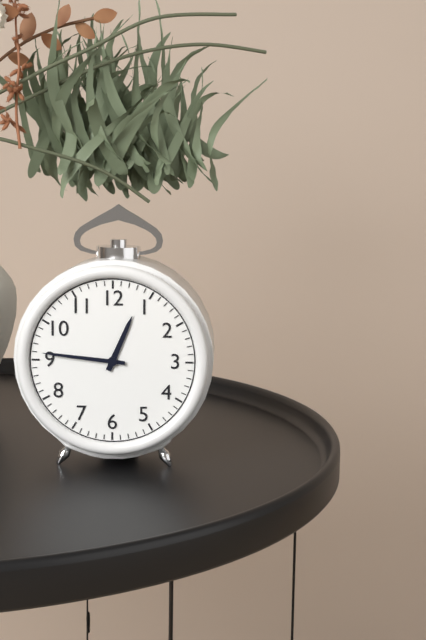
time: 12:46
